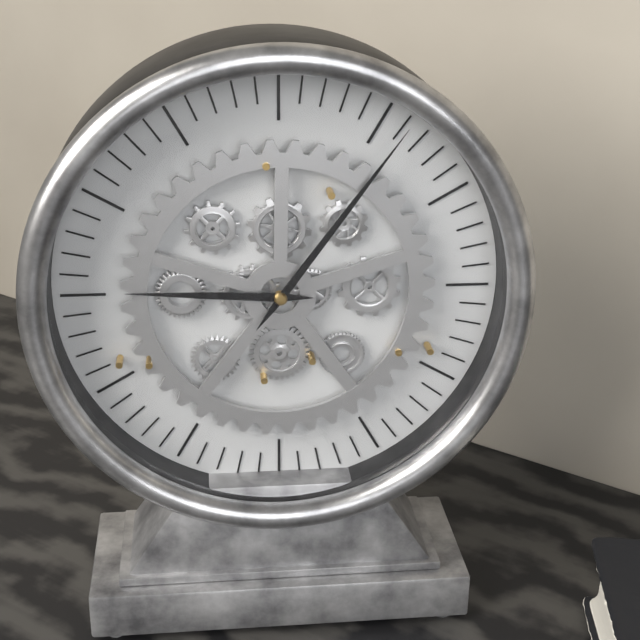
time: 9:06
